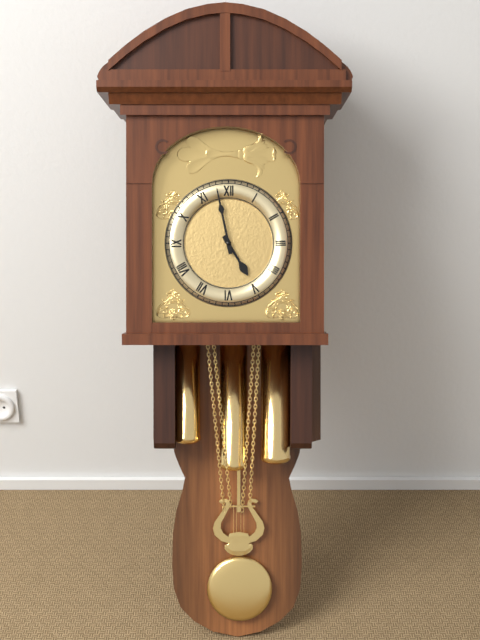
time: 4:58
